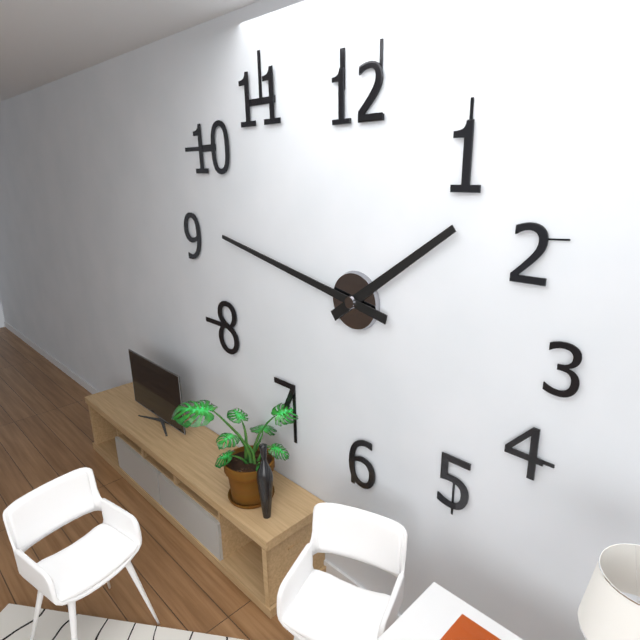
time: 1:47
